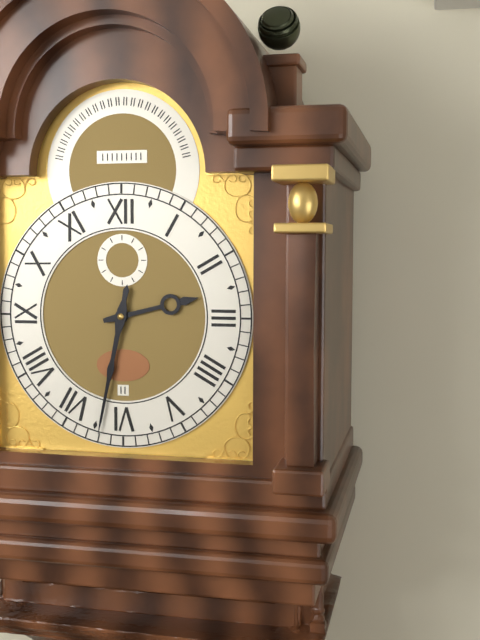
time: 2:32
